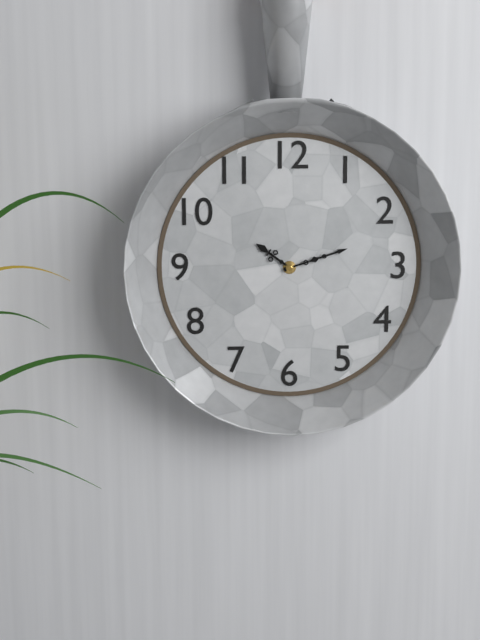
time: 10:12
